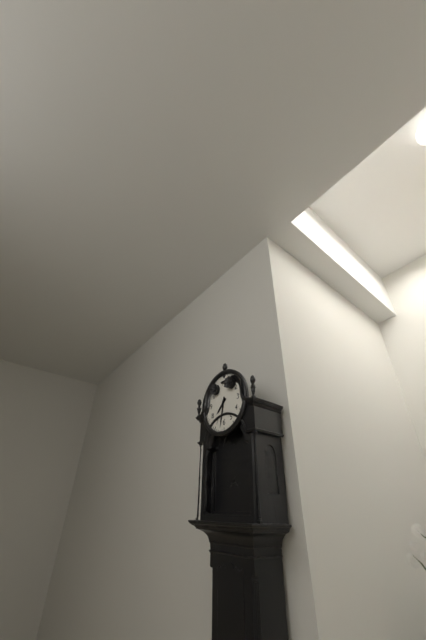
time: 7:32
